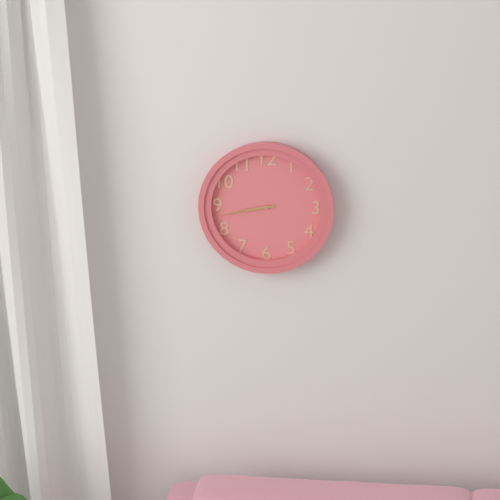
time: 8:43
